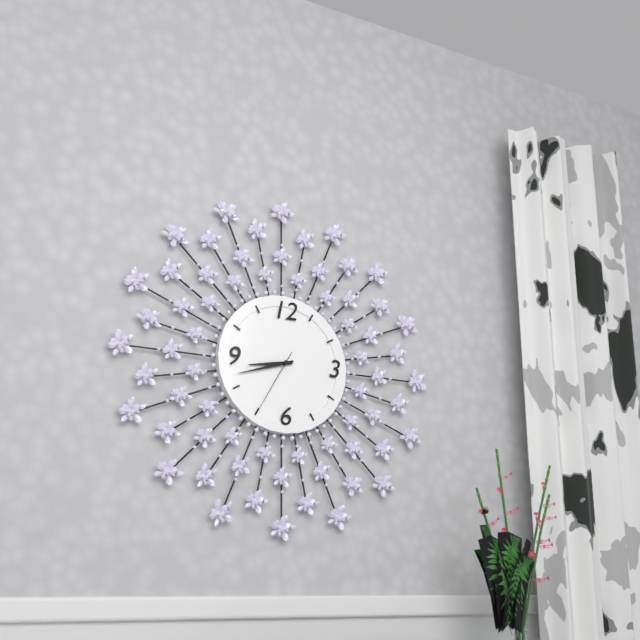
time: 8:42:35
